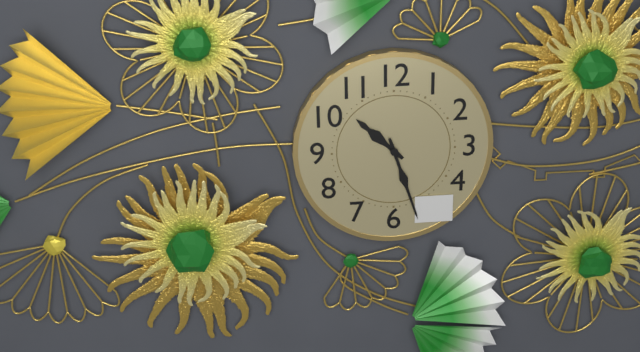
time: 10:27
